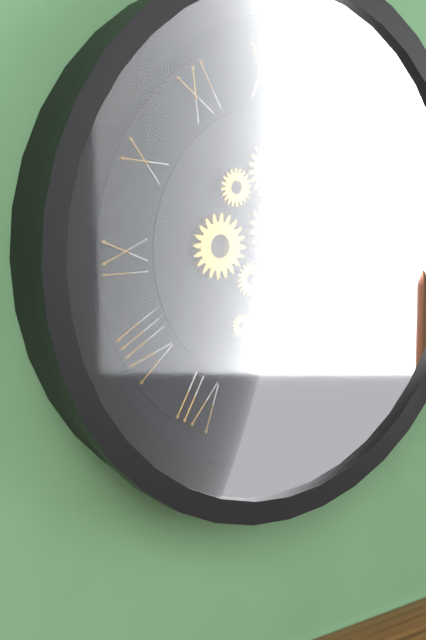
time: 12:05
